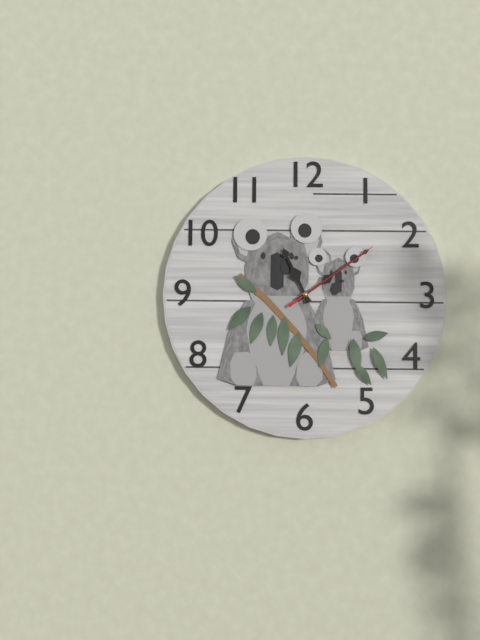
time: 11:09:09
